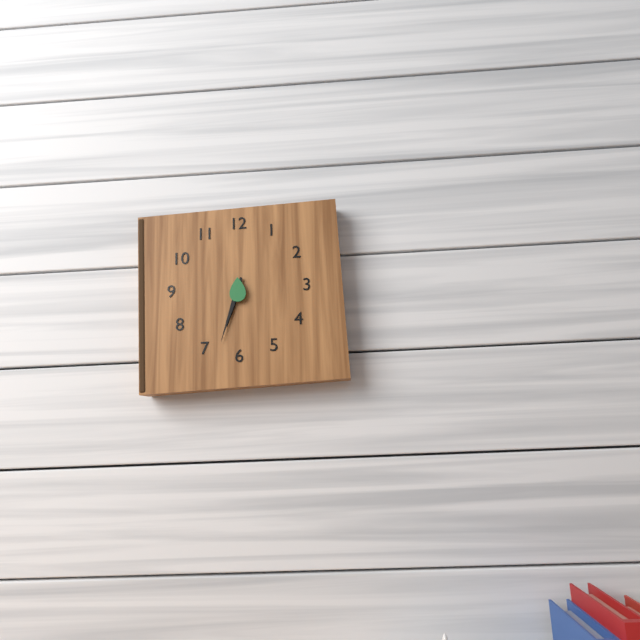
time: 6:33
